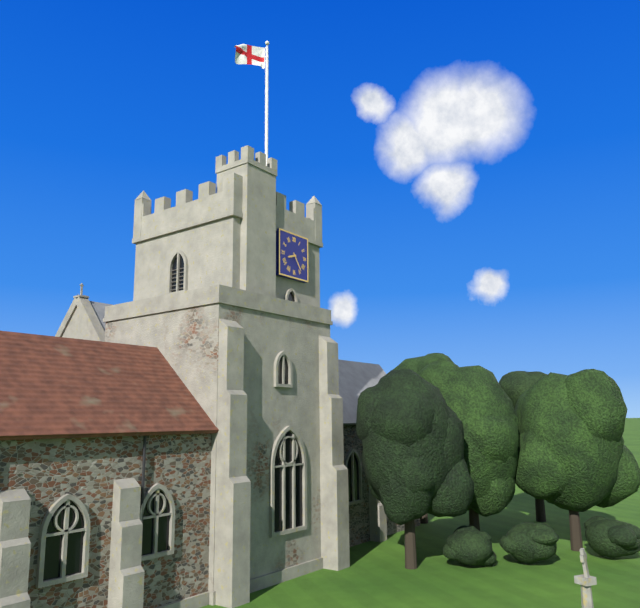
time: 8:24
